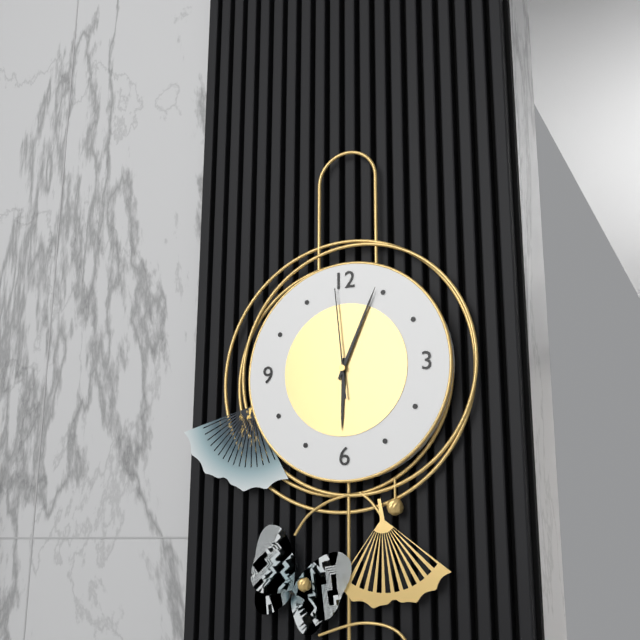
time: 6:04:59
